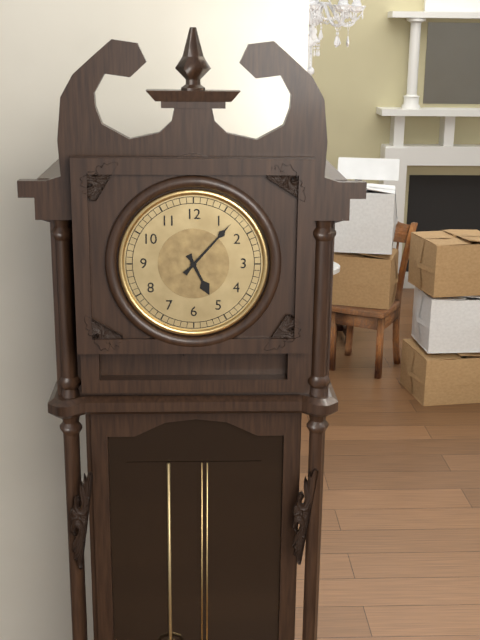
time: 5:07
